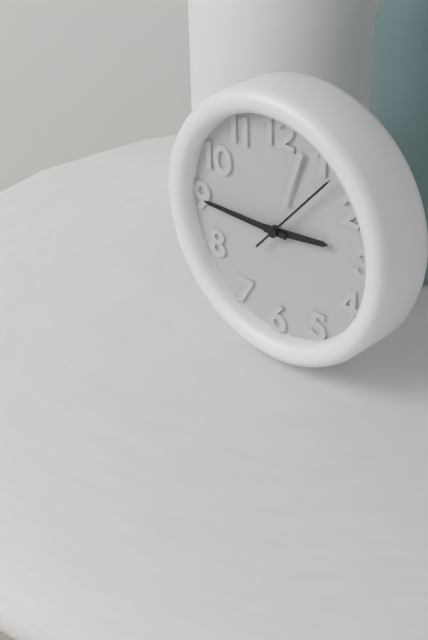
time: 2:45:07
